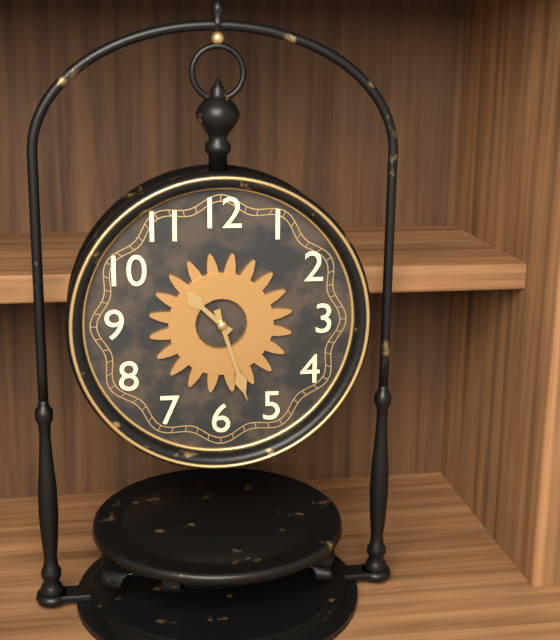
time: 10:27
